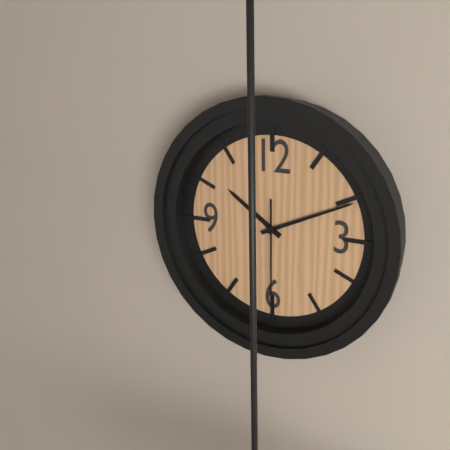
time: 10:11:30
